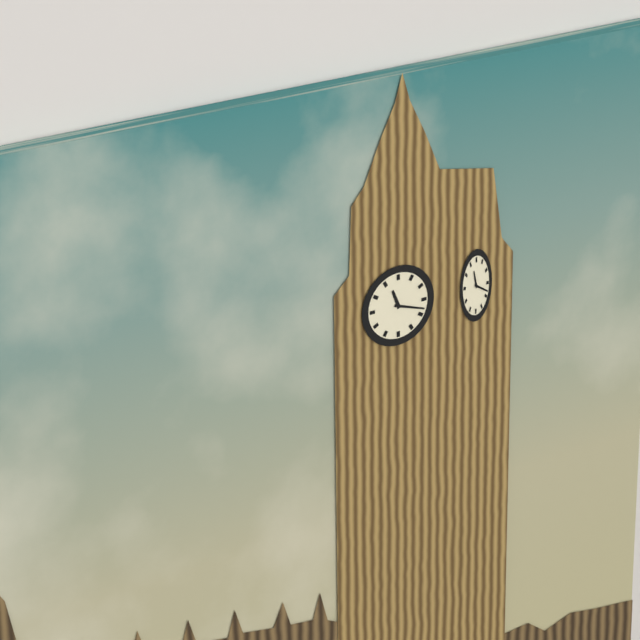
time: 11:18
